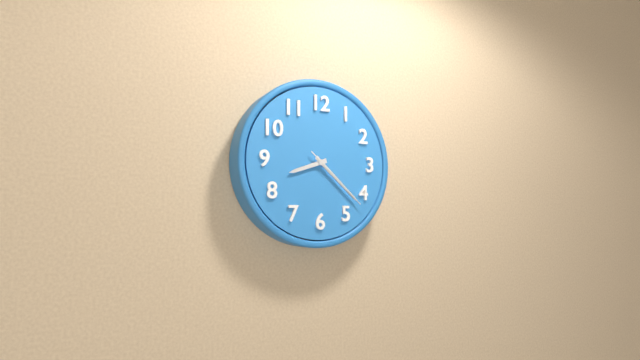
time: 8:22:22
